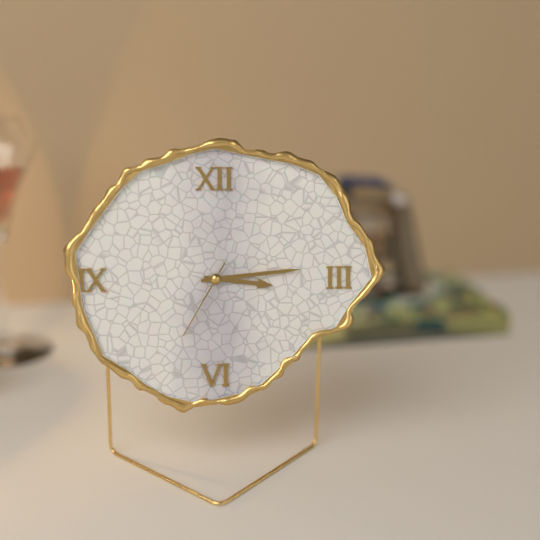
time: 3:14:35
